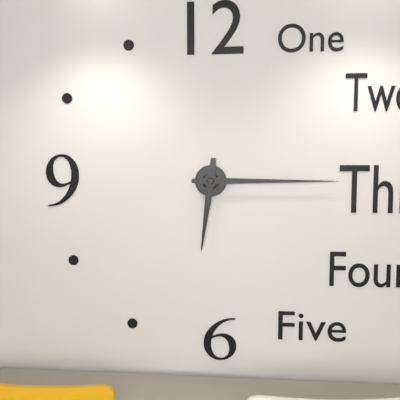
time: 6:15
